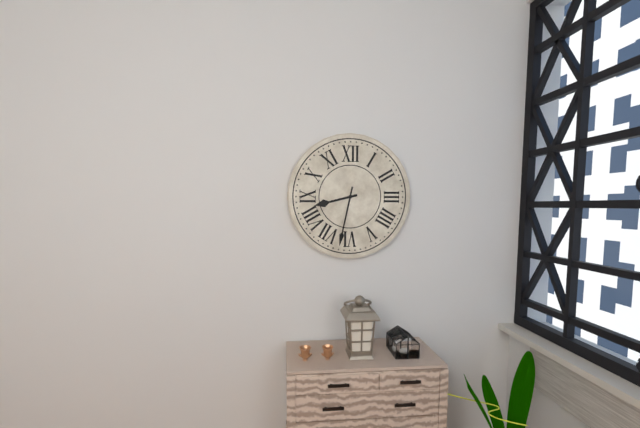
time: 8:32
